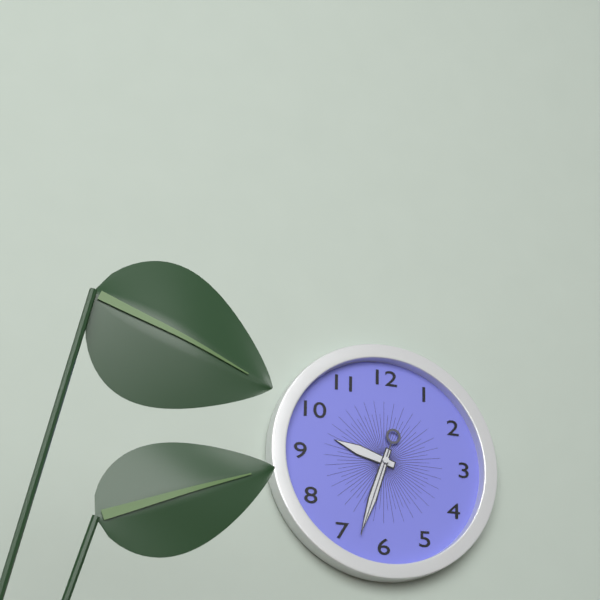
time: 9:33:33
